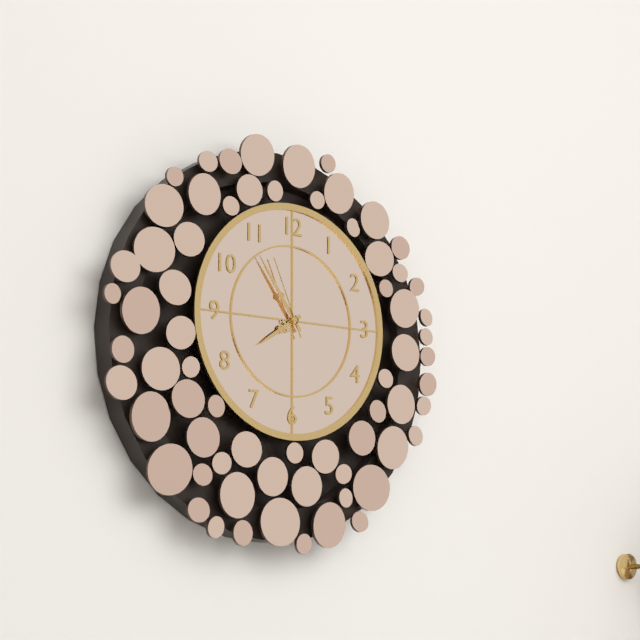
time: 7:54:56
